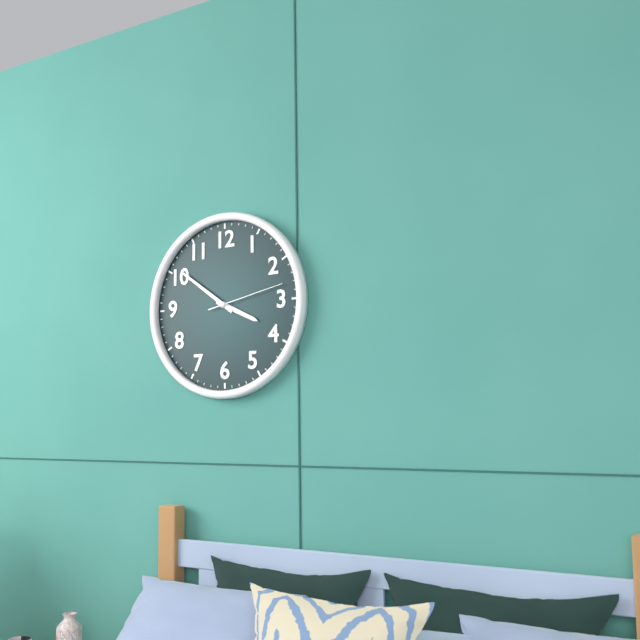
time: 3:51:13
